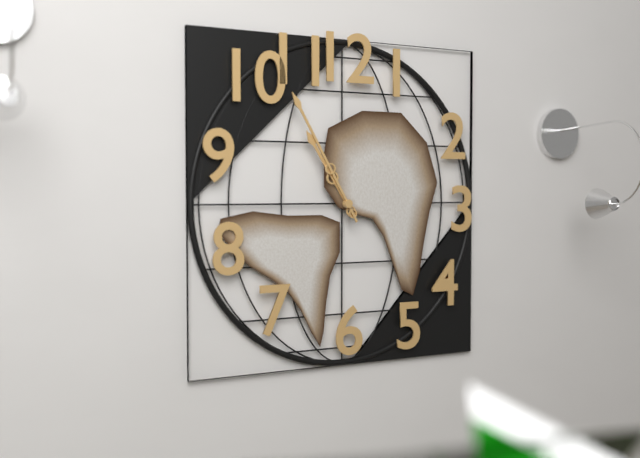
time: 10:55
